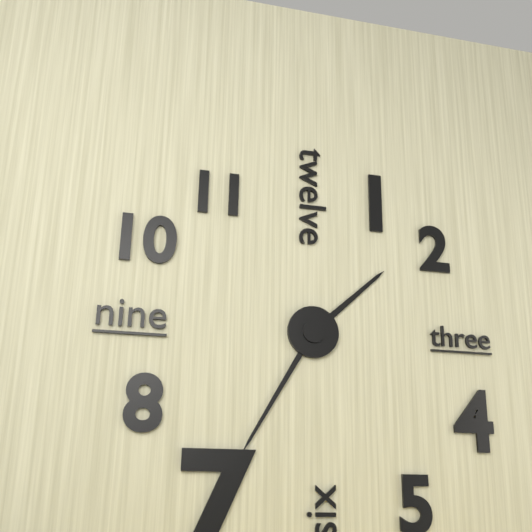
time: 1:35
